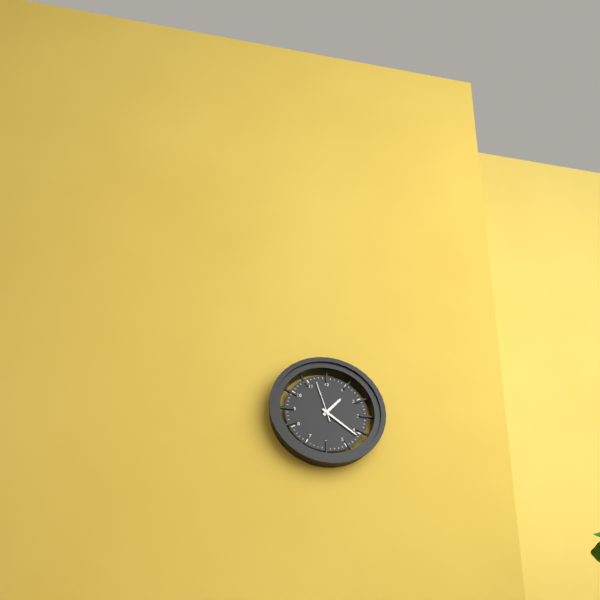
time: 1:21
